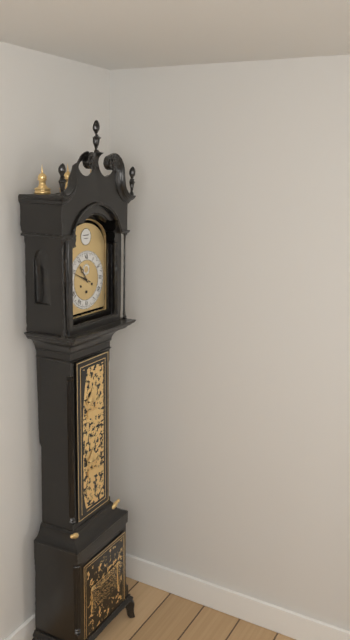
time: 10:49
